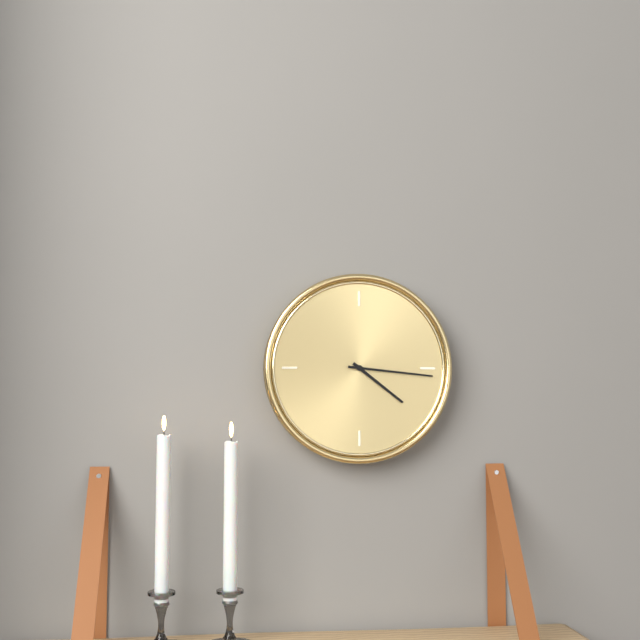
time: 4:16
